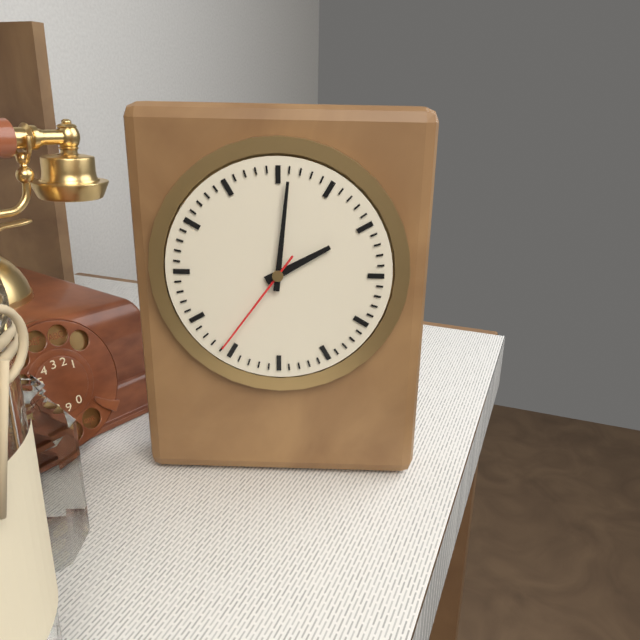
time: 2:01:36
